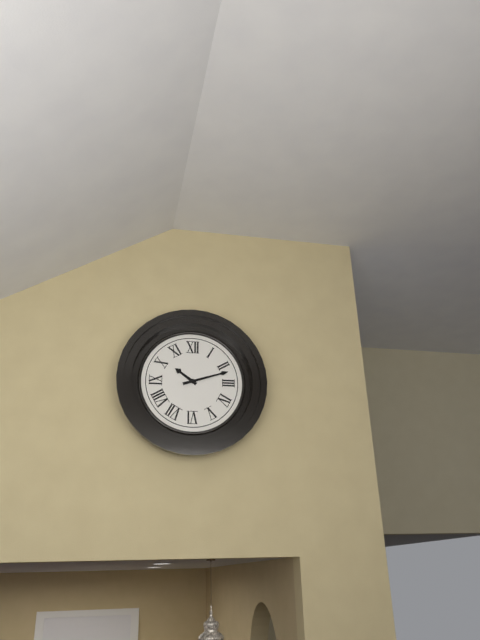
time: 10:12
